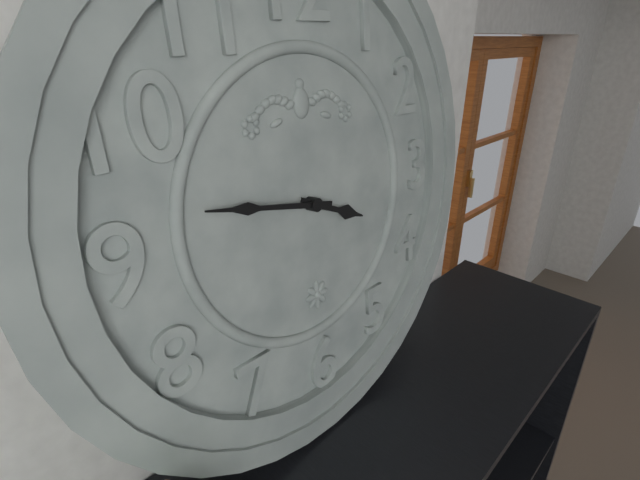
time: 3:47
